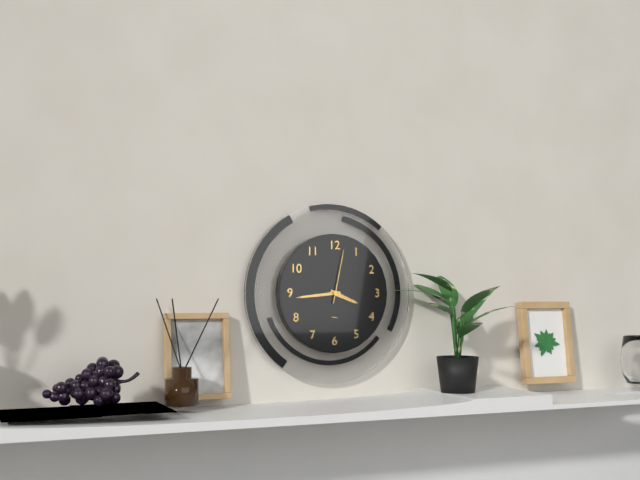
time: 3:44:02
